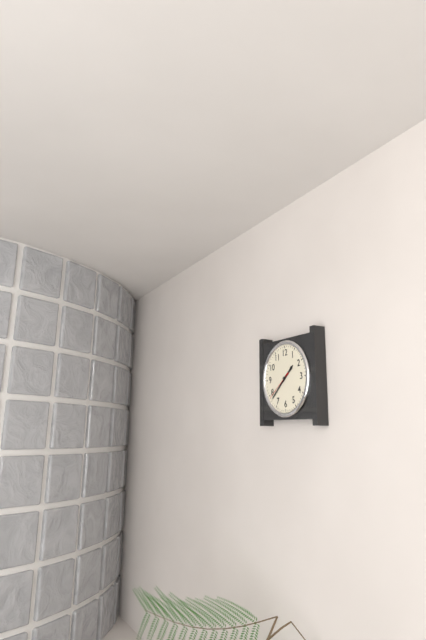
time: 1:38
